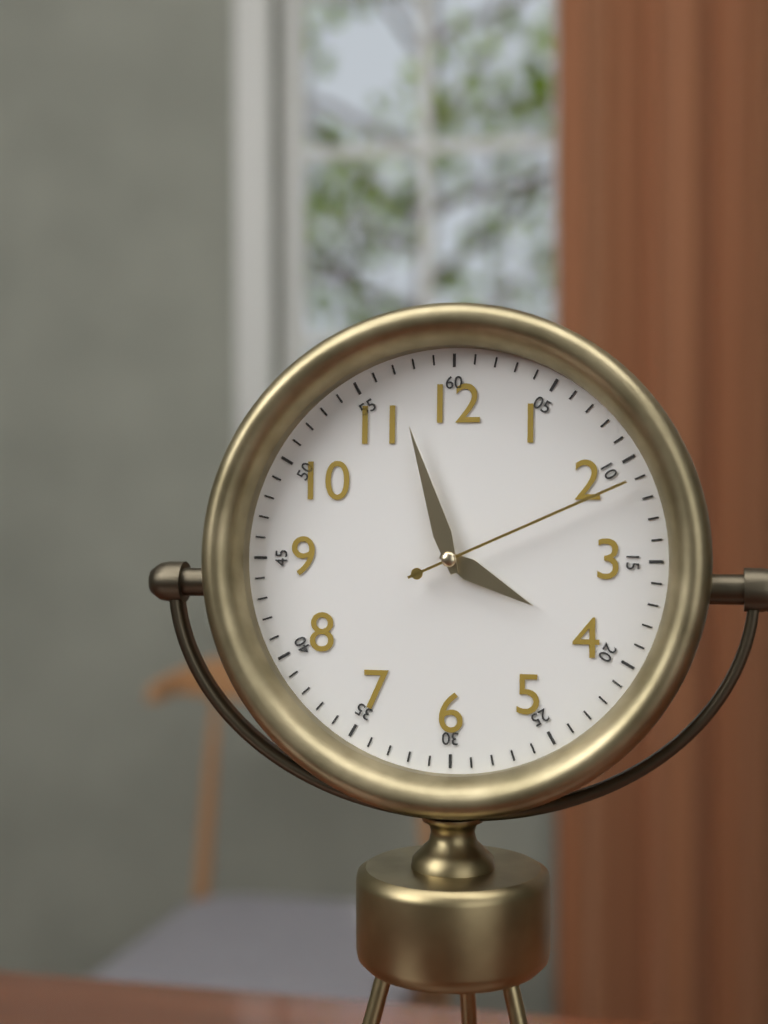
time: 3:57:11
